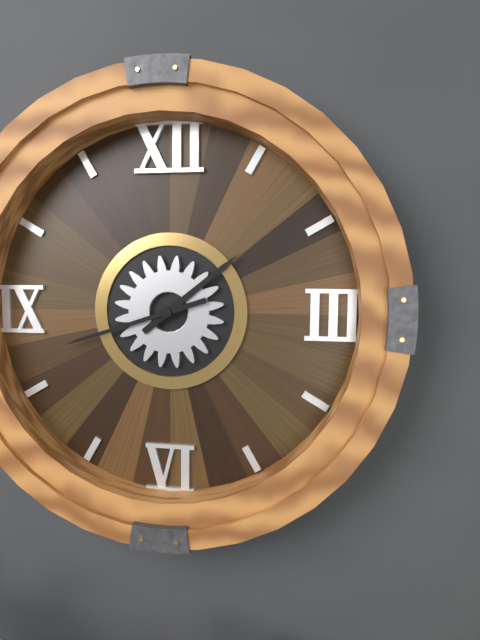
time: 1:42
